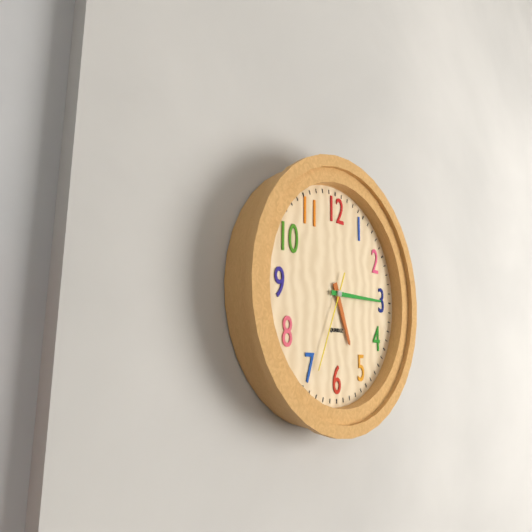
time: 5:15:34
